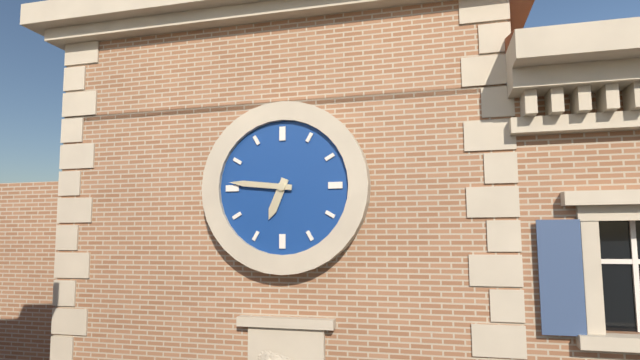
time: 6:46
